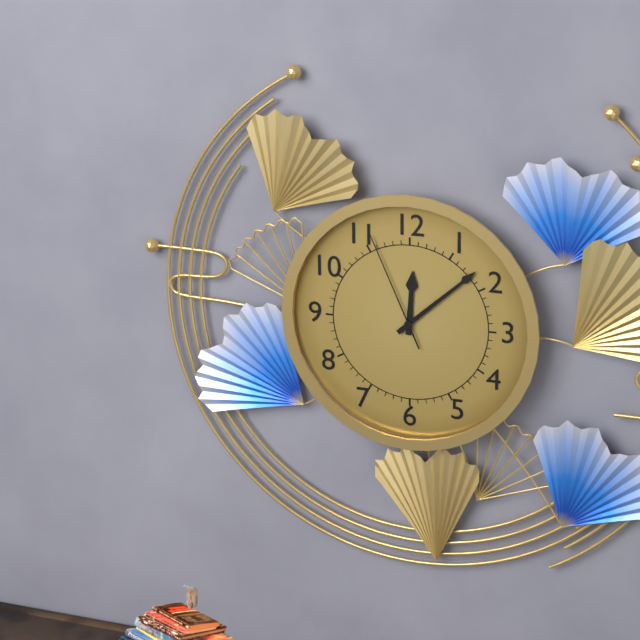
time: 12:08:56
